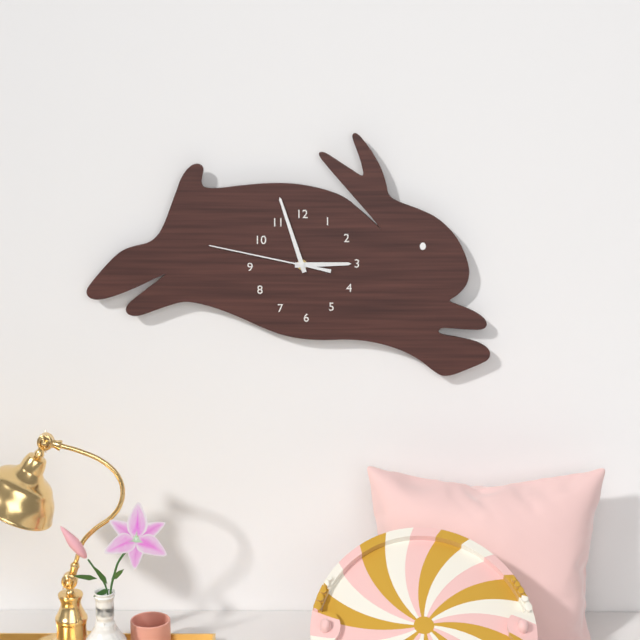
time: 2:57:47
